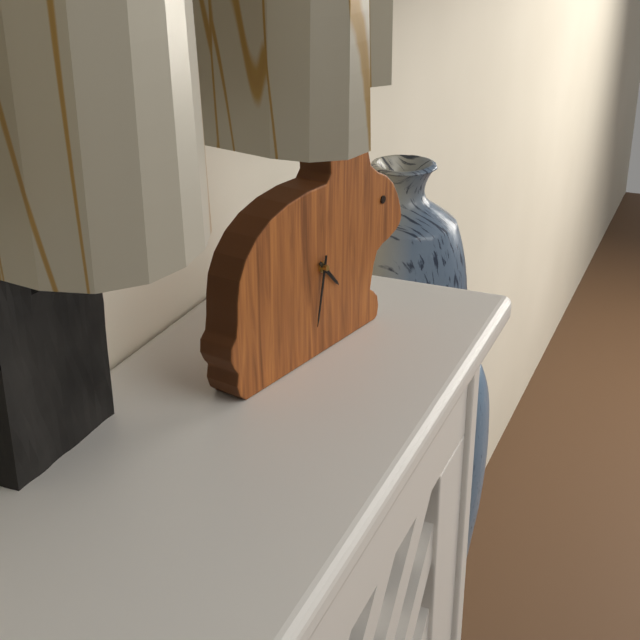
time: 4:32
